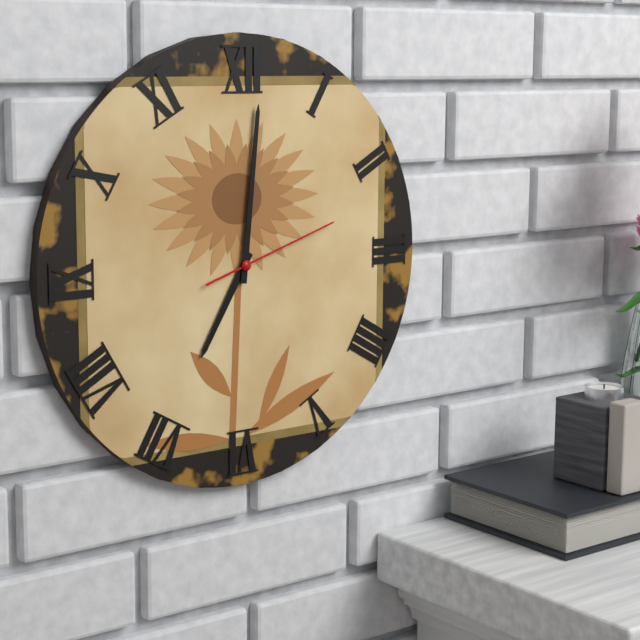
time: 7:01:12
